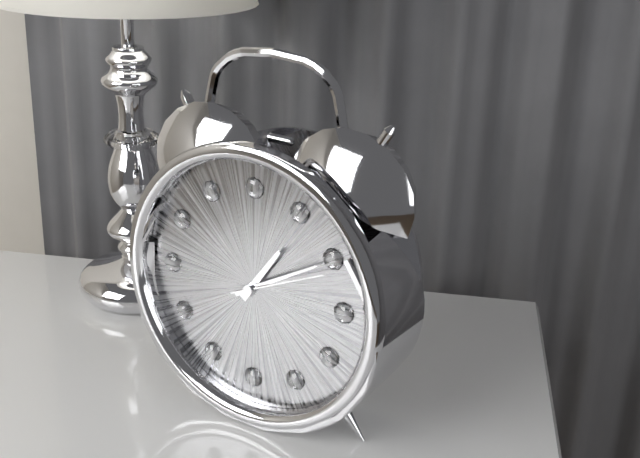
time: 1:10:11
